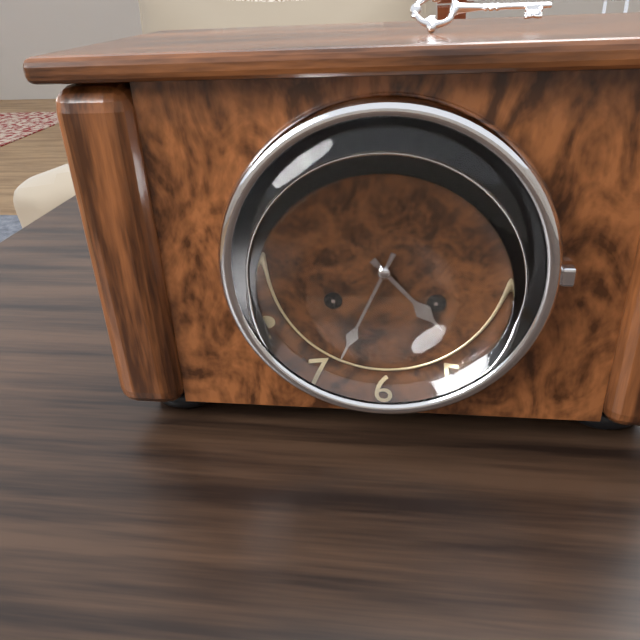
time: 4:34
